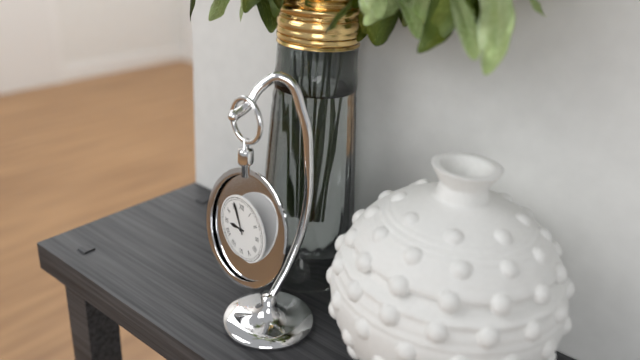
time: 8:56
